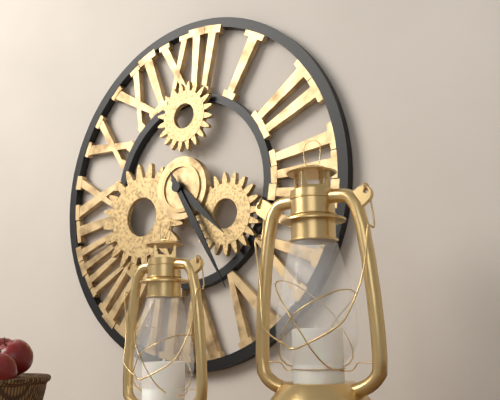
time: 4:25
